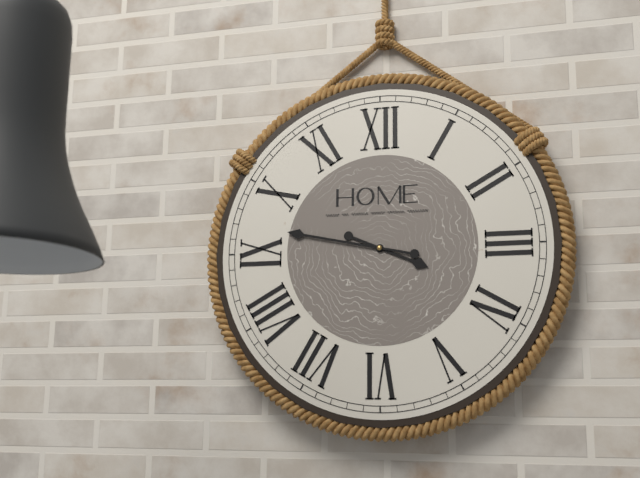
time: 3:47
